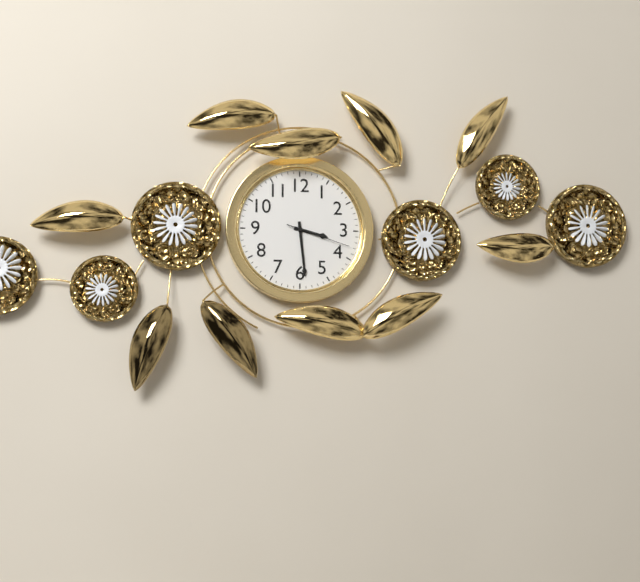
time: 3:29:18
